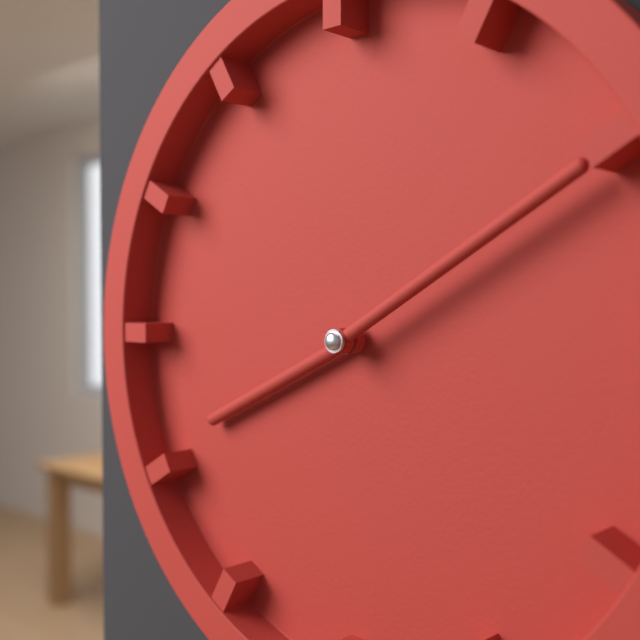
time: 8:10
